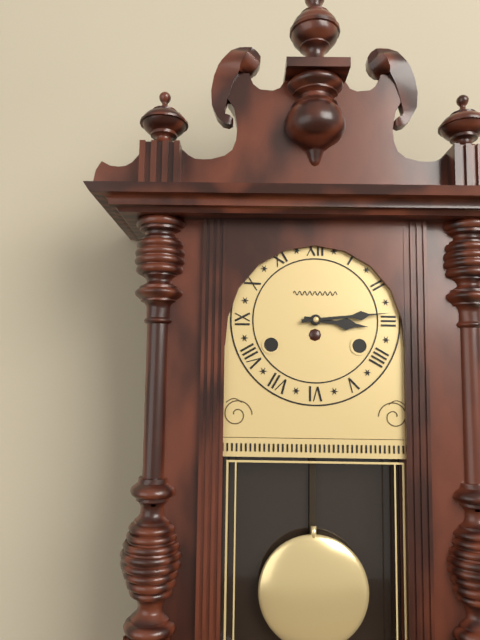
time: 3:14
